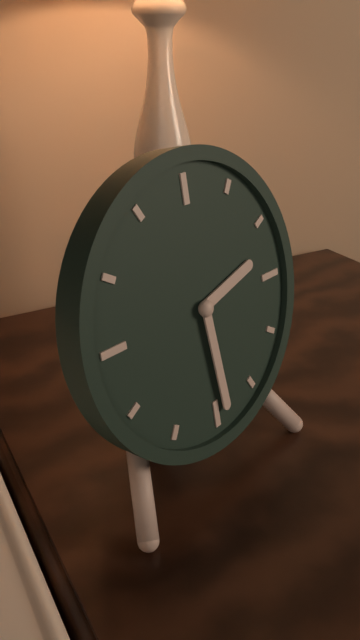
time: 2:29
